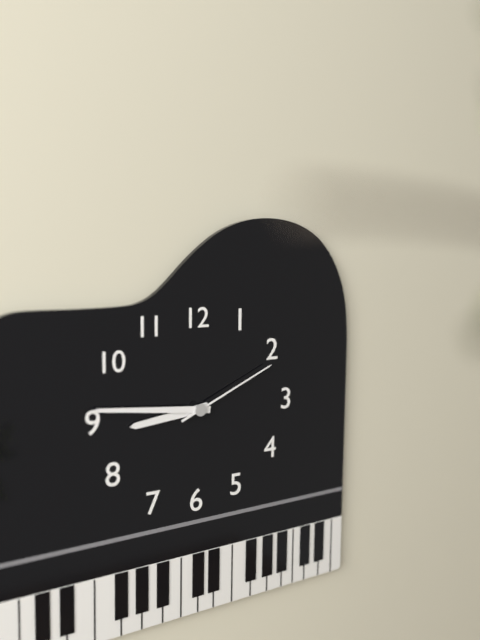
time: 8:46:11
